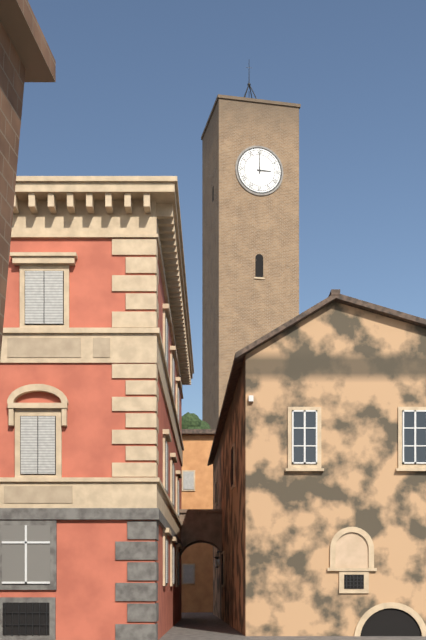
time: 3:00
